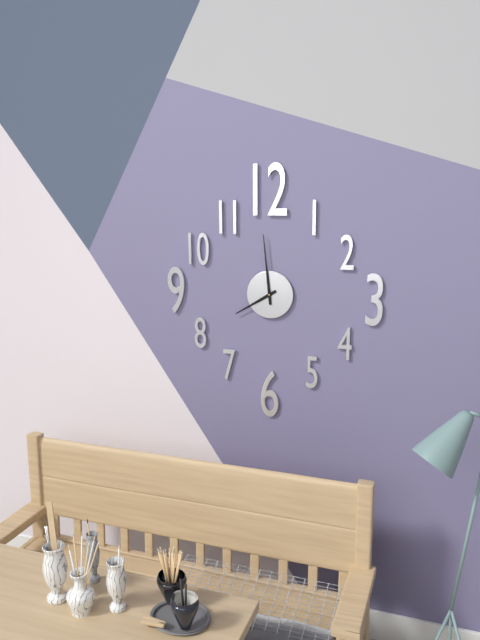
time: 7:59
